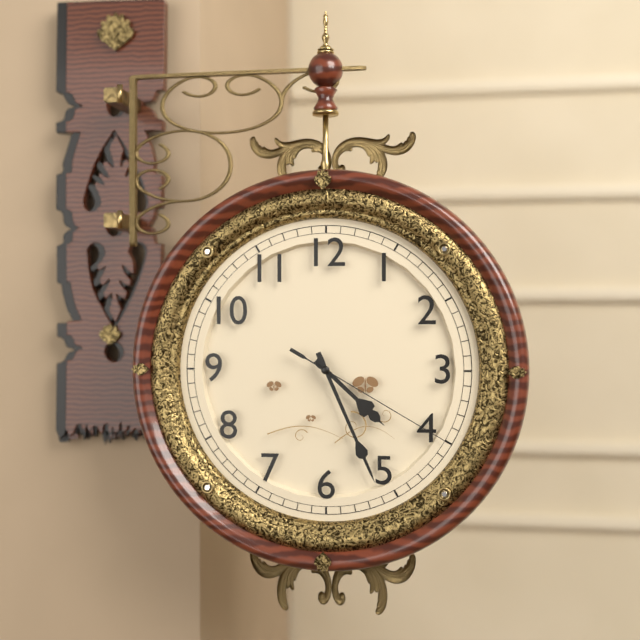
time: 4:26:20
